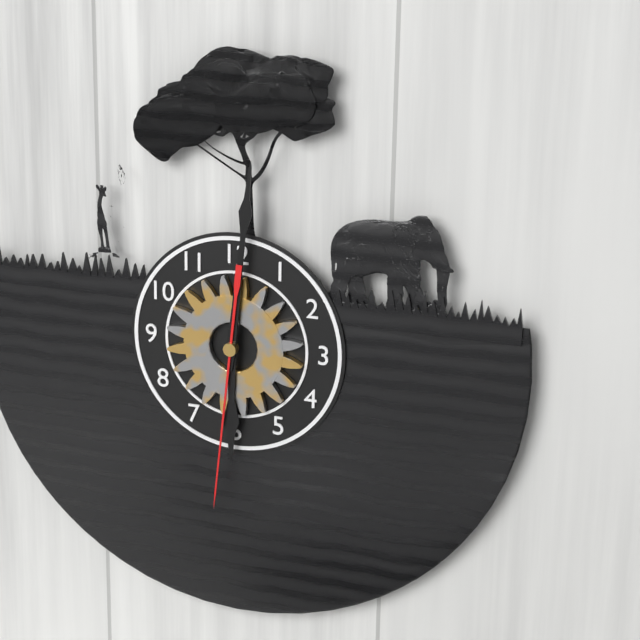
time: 6:01:31
